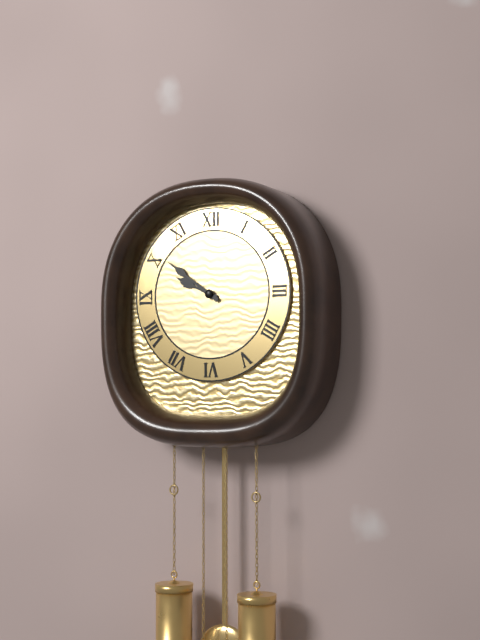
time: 9:51
